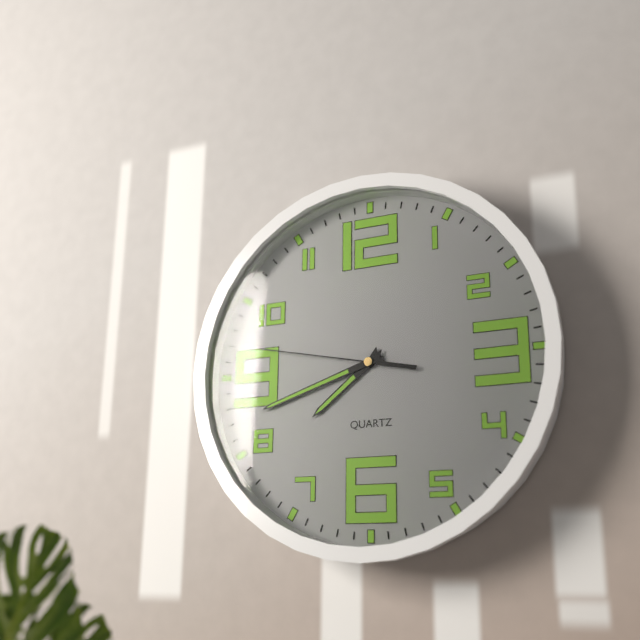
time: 7:42:47
